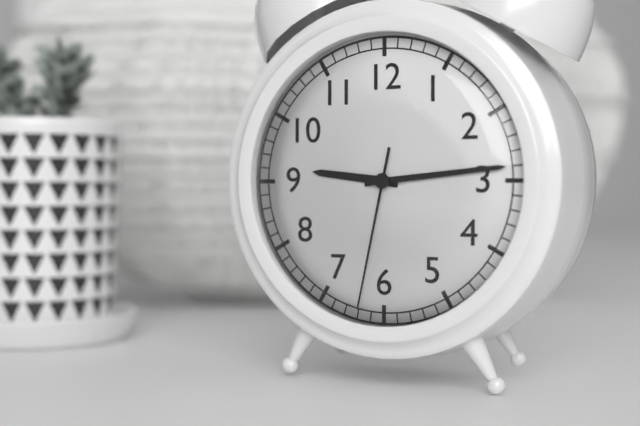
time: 9:14:32
